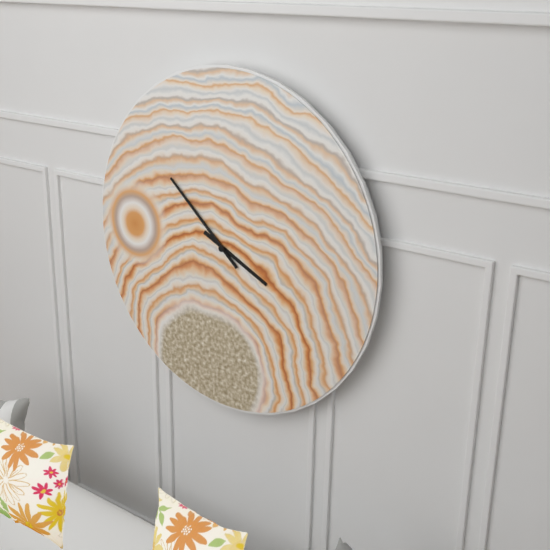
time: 3:52
